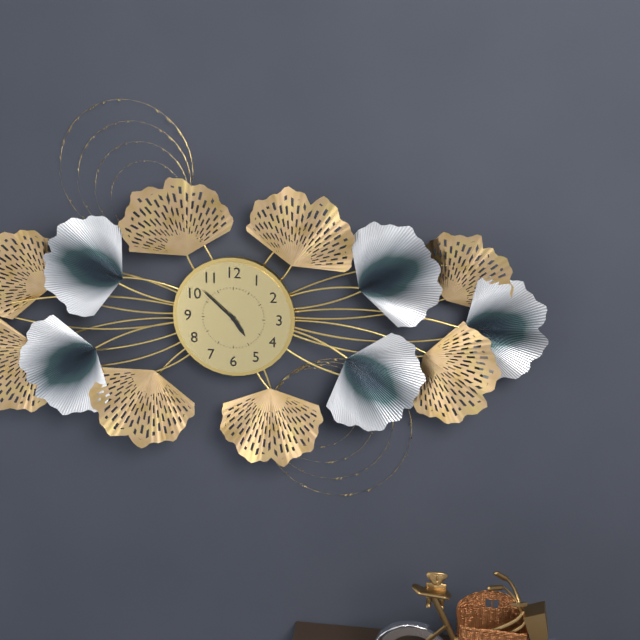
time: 4:52
